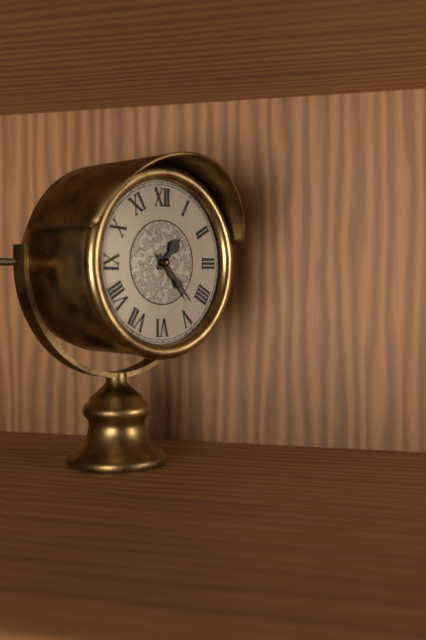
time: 1:23
